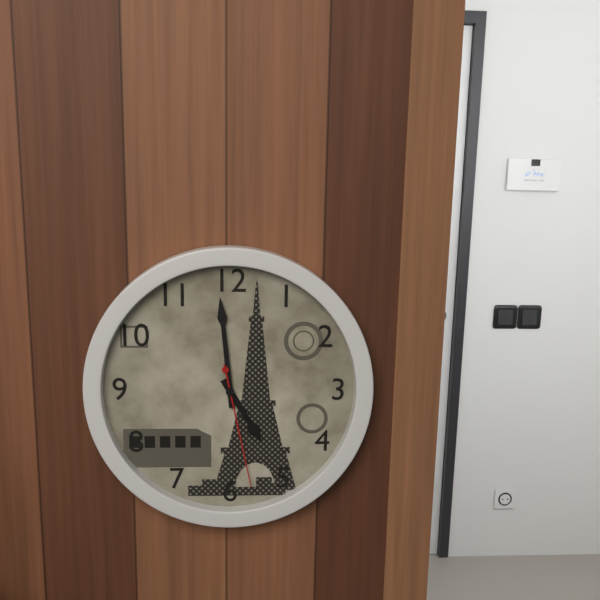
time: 4:59:28
